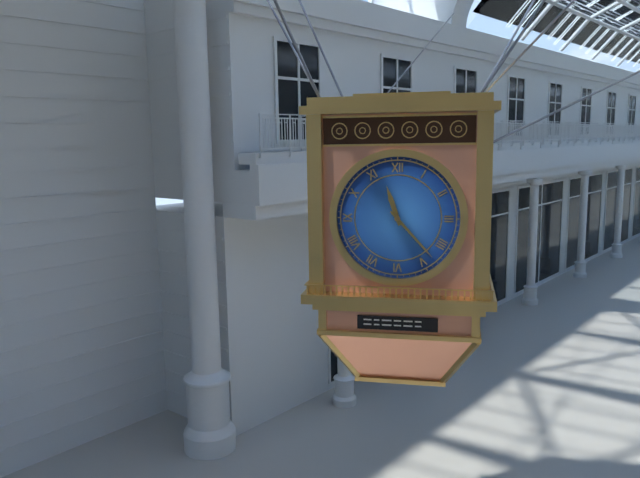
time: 11:23
